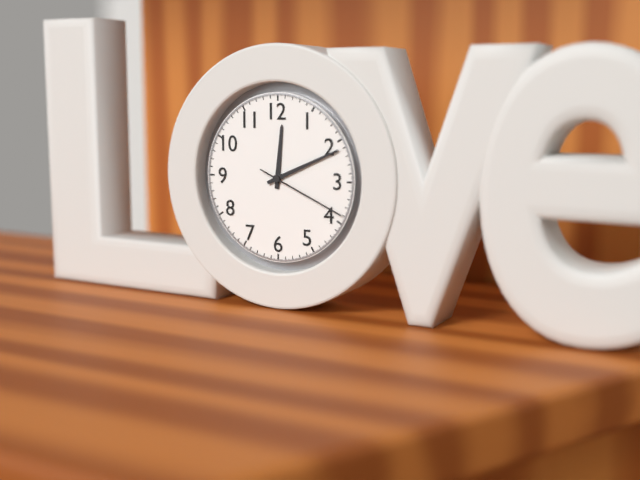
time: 12:11:19
